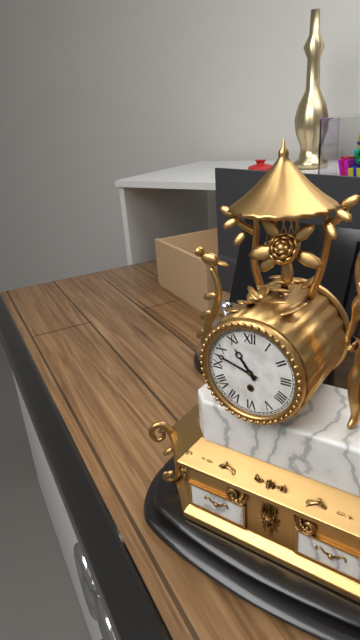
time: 10:48
